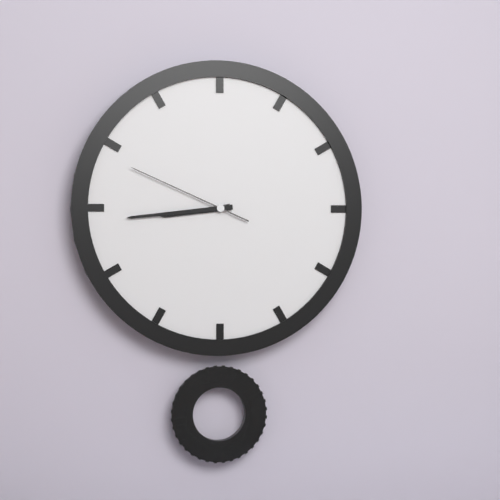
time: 8:44:49
